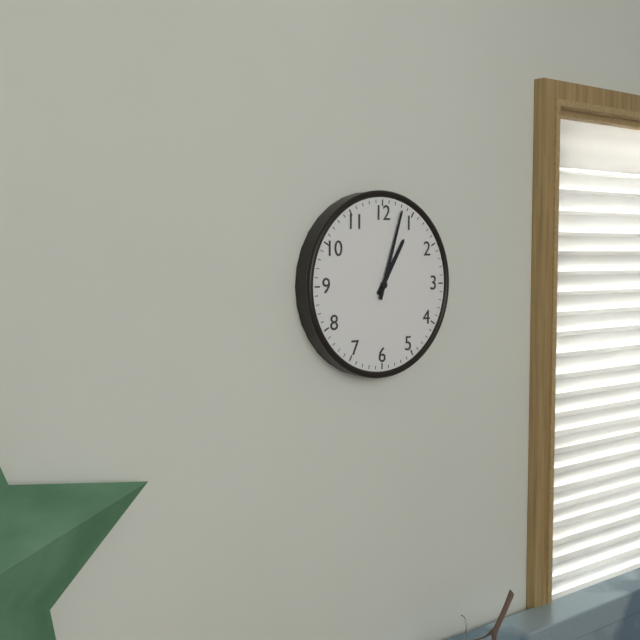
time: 1:03
